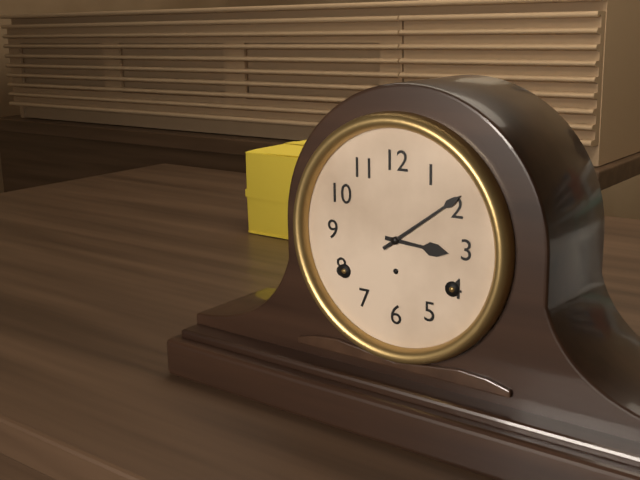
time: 3:09
